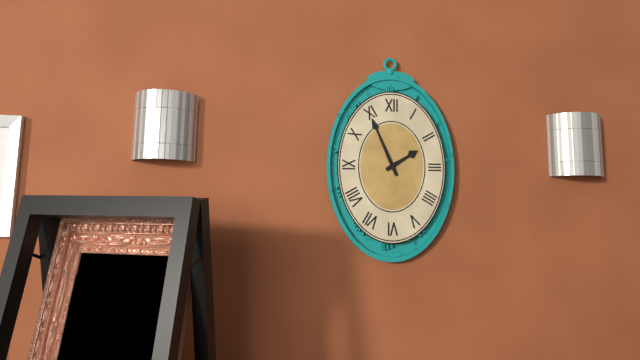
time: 1:56
